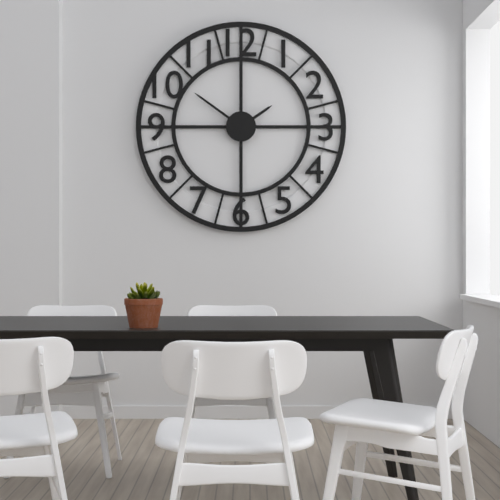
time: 1:51
